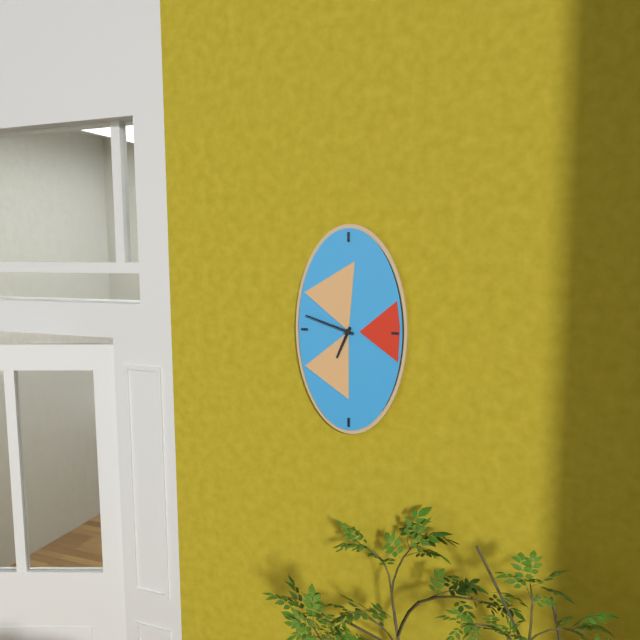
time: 6:48
